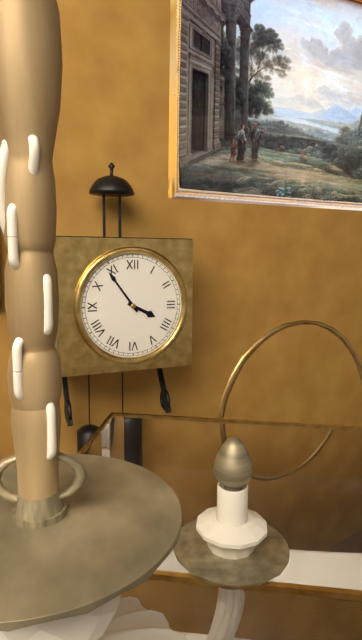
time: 3:54
